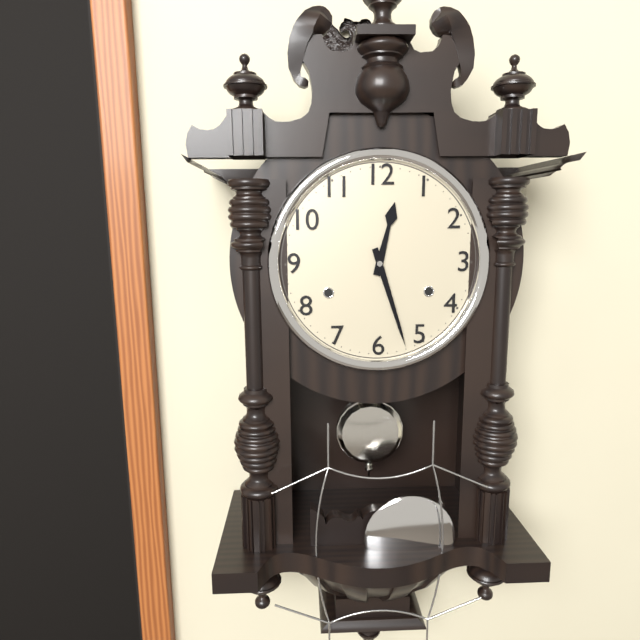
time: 12:27
